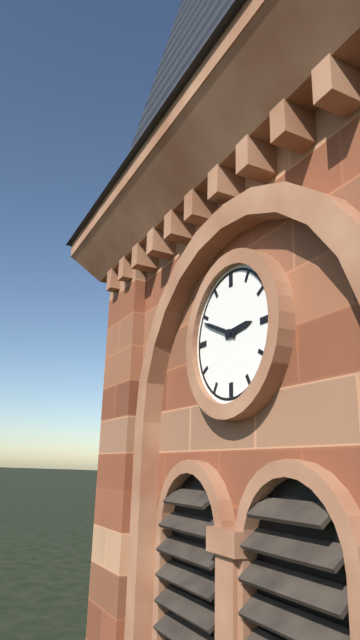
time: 2:49
